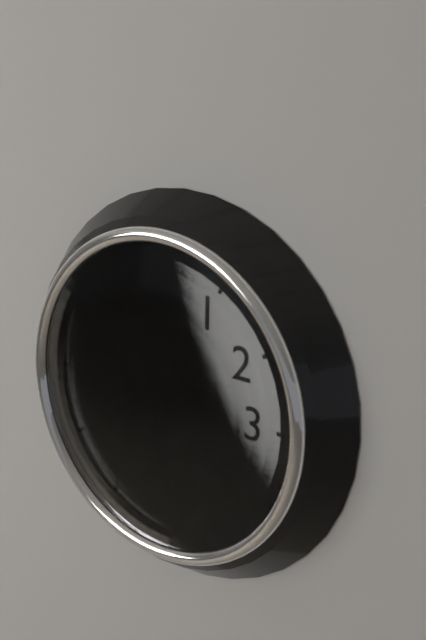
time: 3:22
